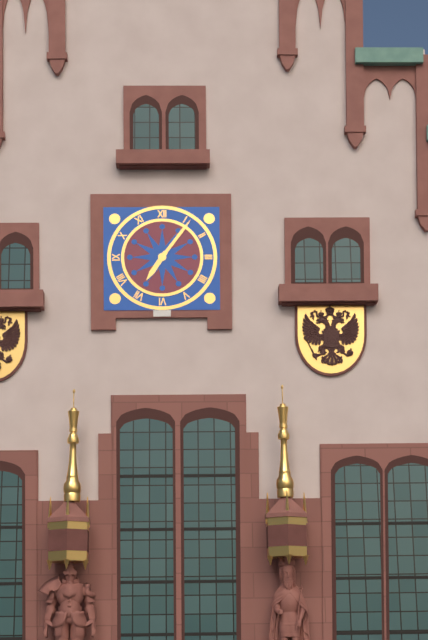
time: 7:06
